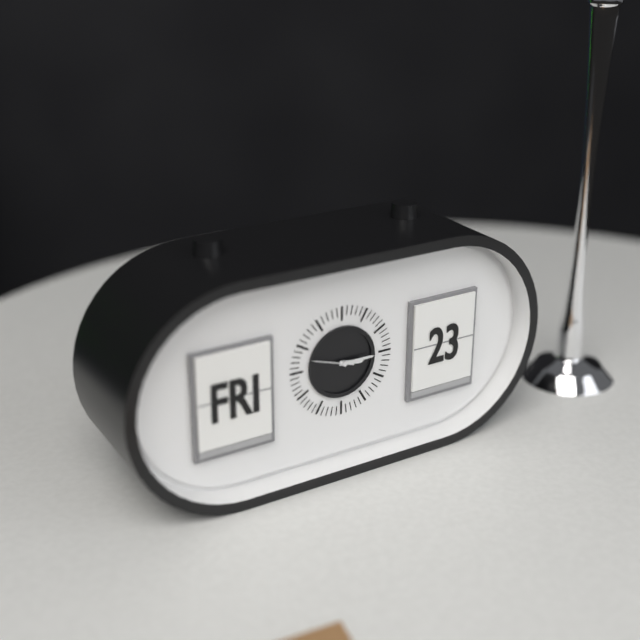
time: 3:15
